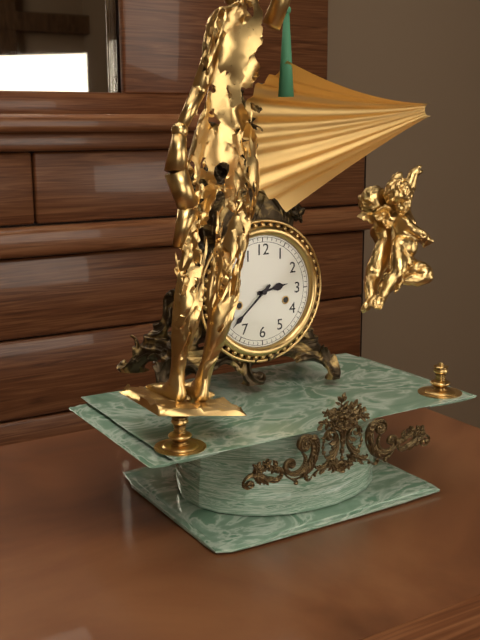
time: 2:38
